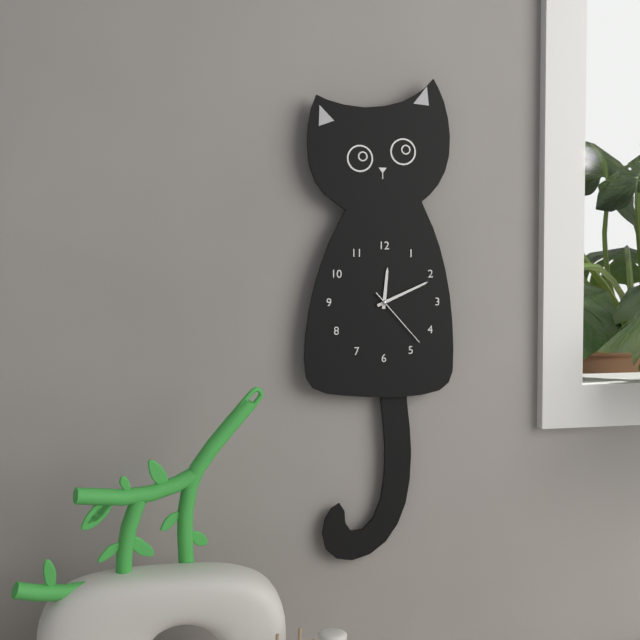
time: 12:11:23
